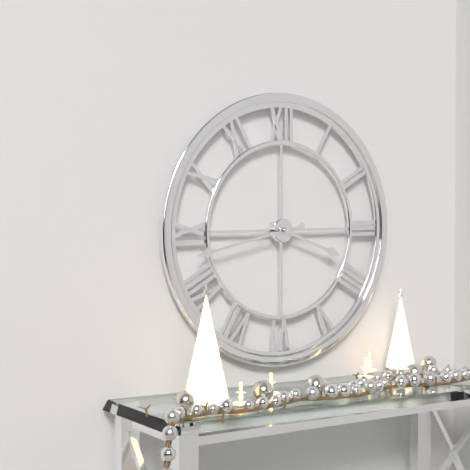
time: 3:43
